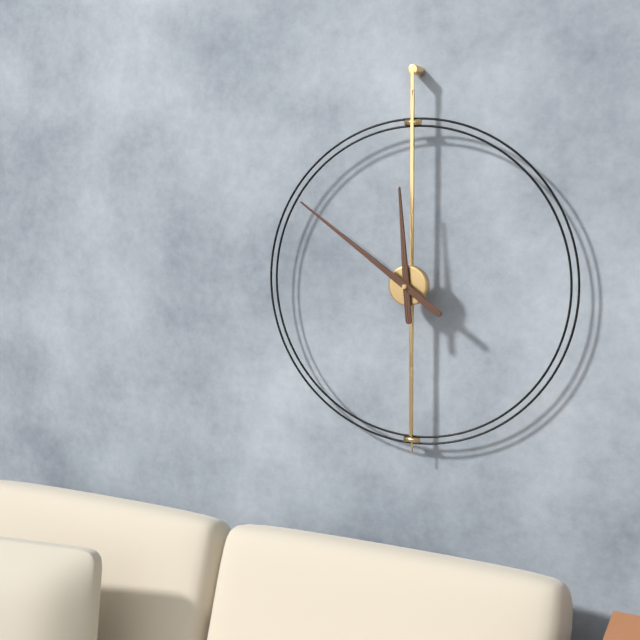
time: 11:51
